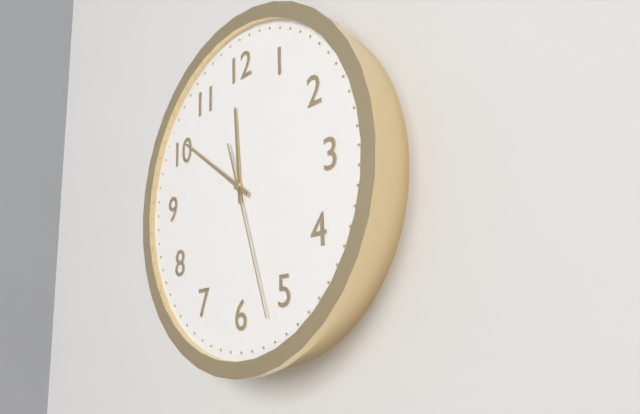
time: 11:51:27
